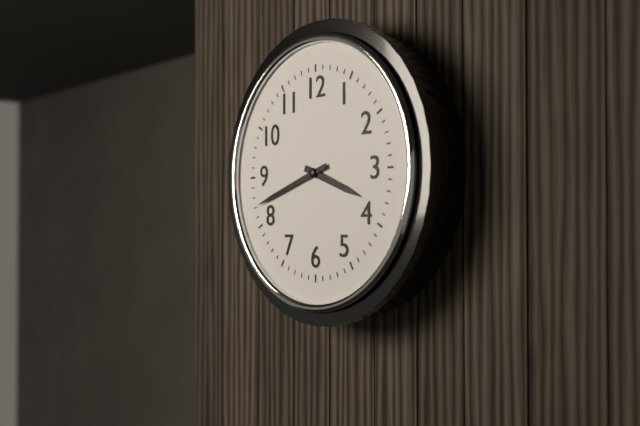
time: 3:42
